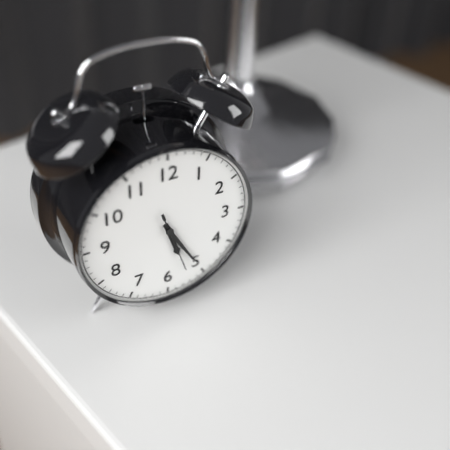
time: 5:25:27
